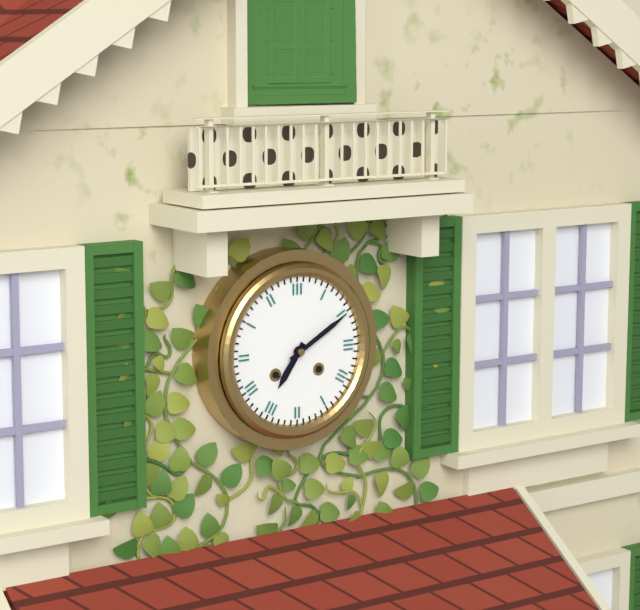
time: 7:10
